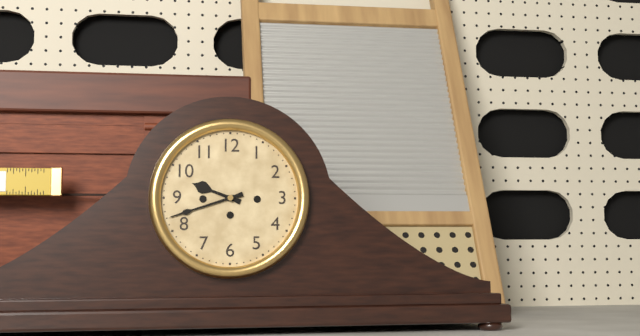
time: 9:42
